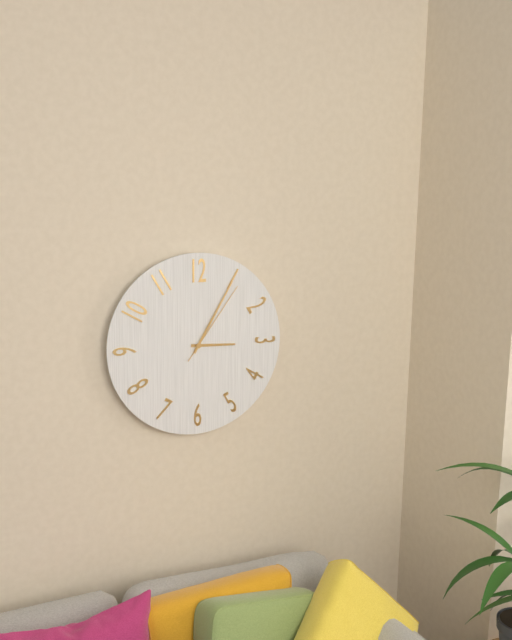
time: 3:05:06
